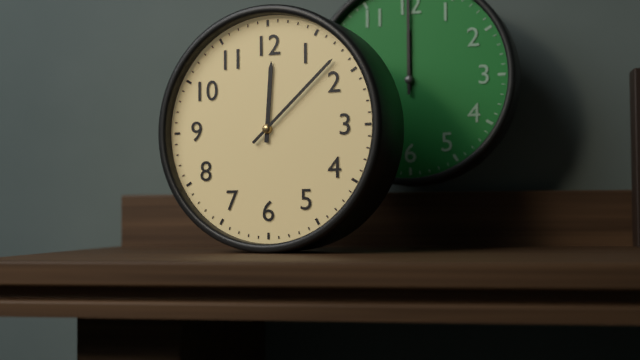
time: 12:08
